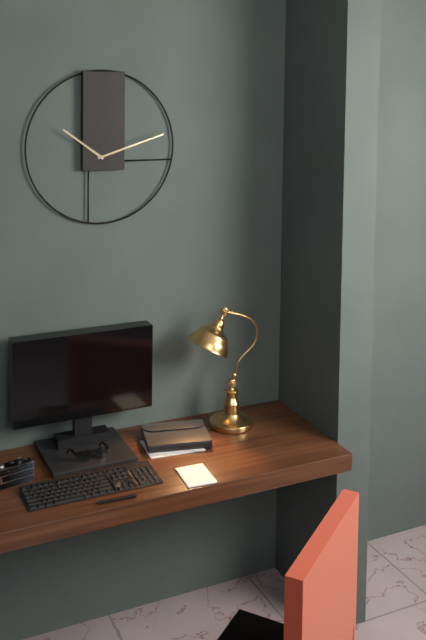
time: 10:12
